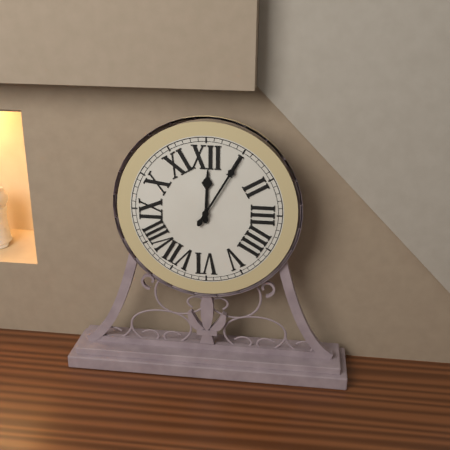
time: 12:05
